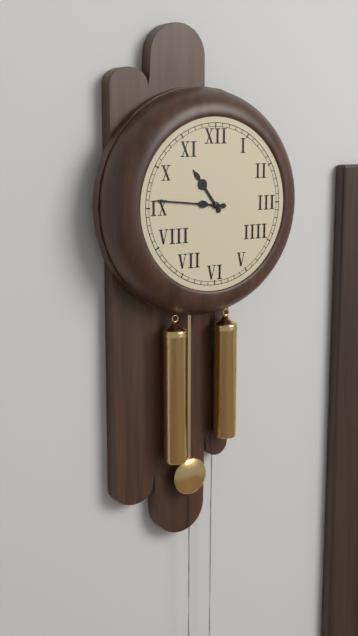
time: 10:46
